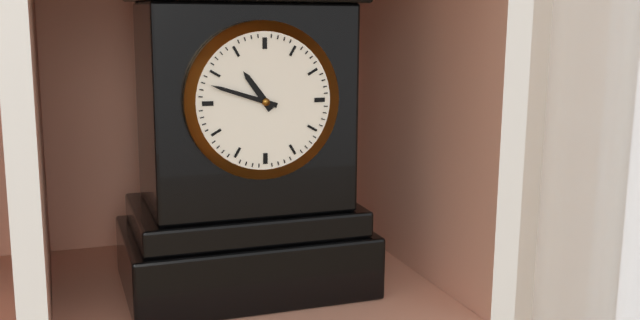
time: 10:48
